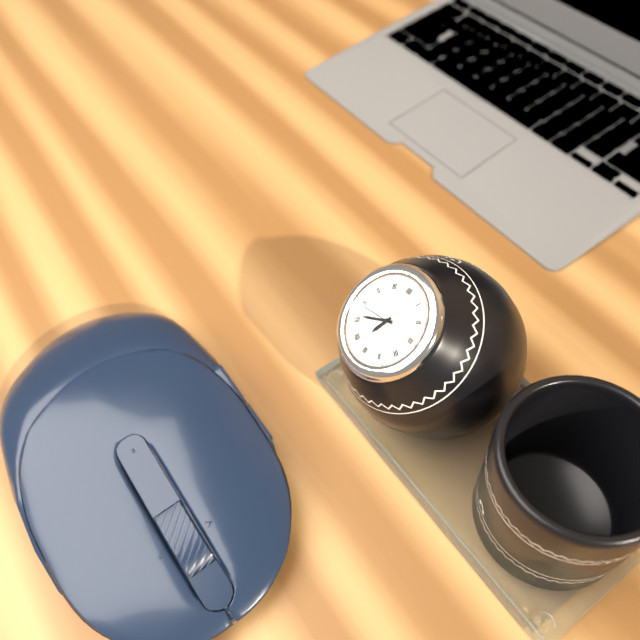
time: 6:41
